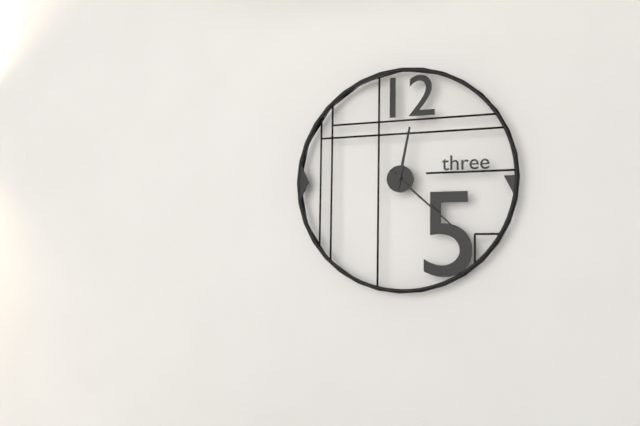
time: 12:22
